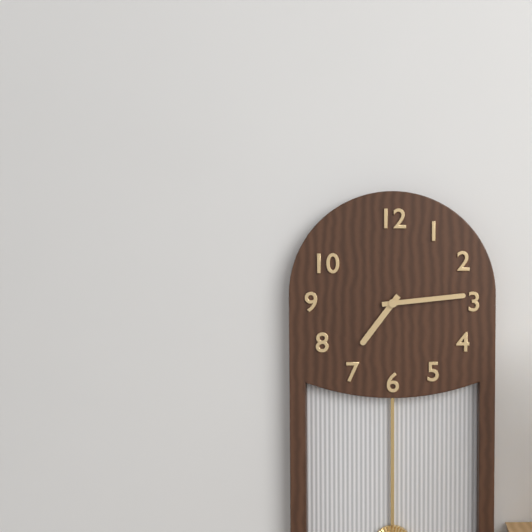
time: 7:14
